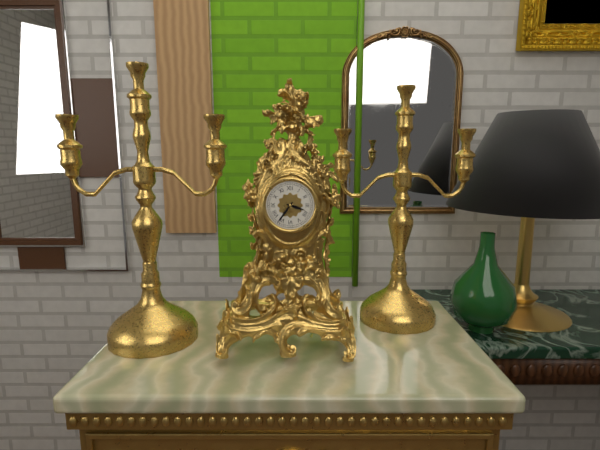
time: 3:36
